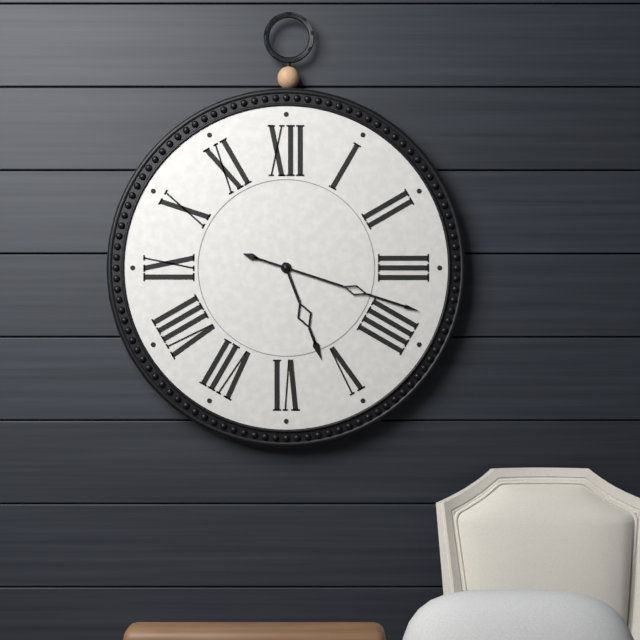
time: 5:18
